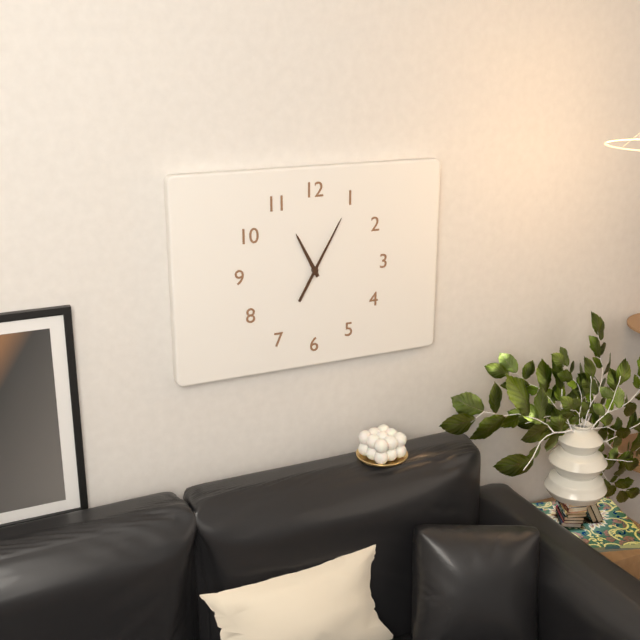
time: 11:05
